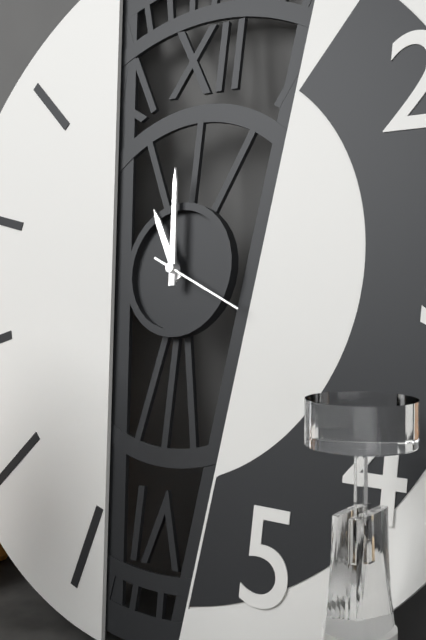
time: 10:59:19
